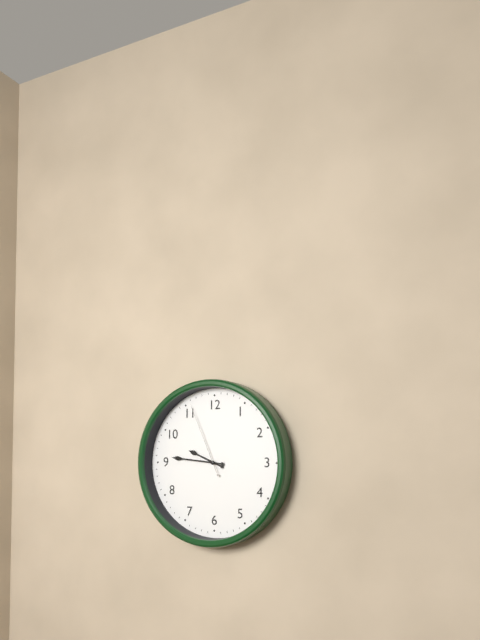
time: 9:46:56
